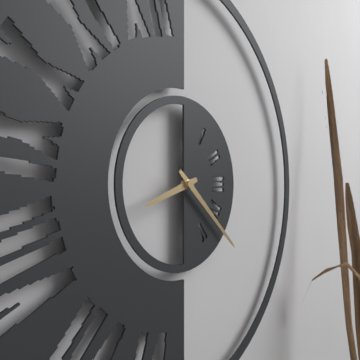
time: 8:22
